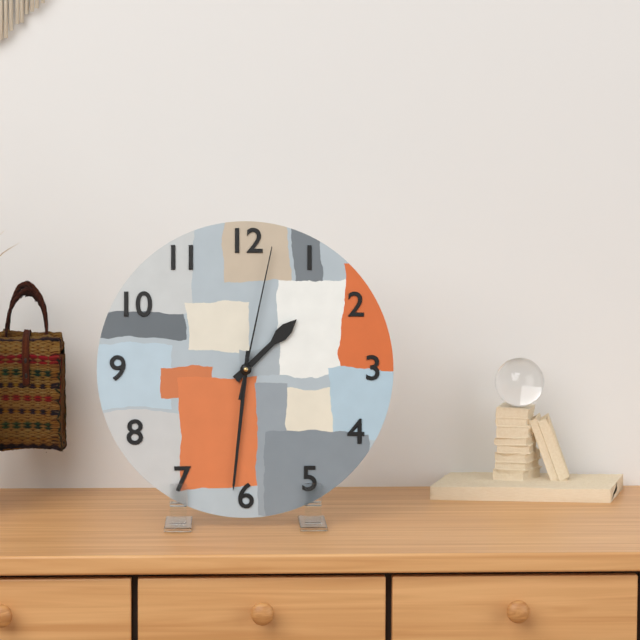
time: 1:31:02
